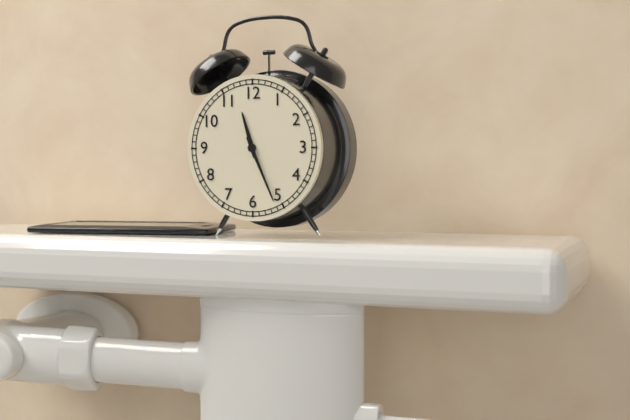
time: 11:26
